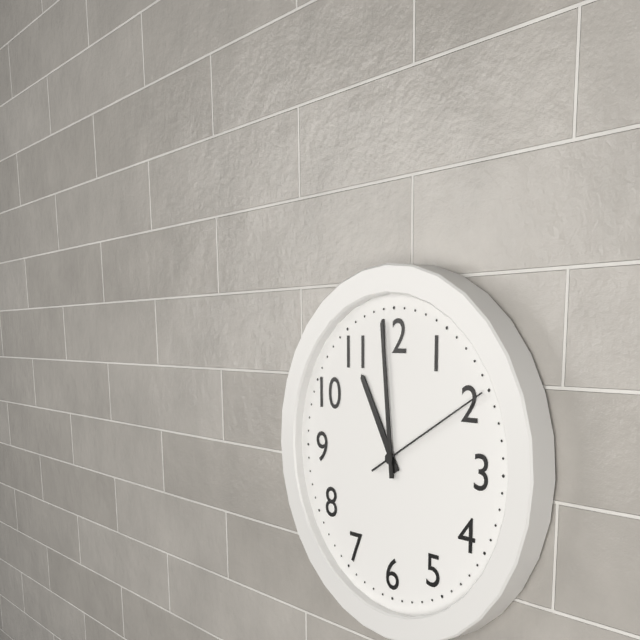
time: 10:59:10
